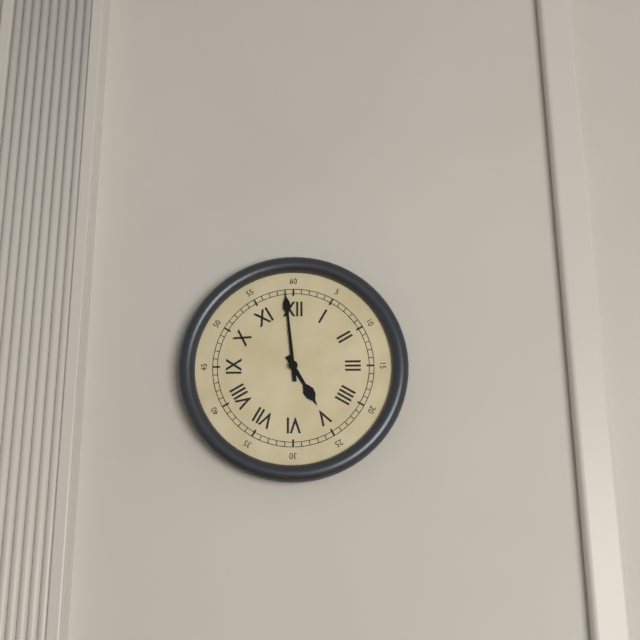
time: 4:59
